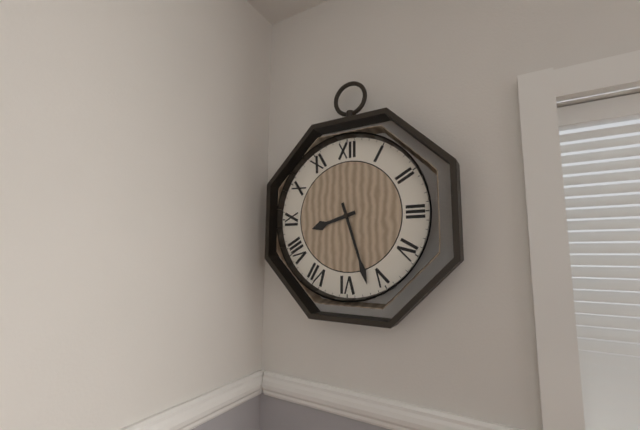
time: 8:27
